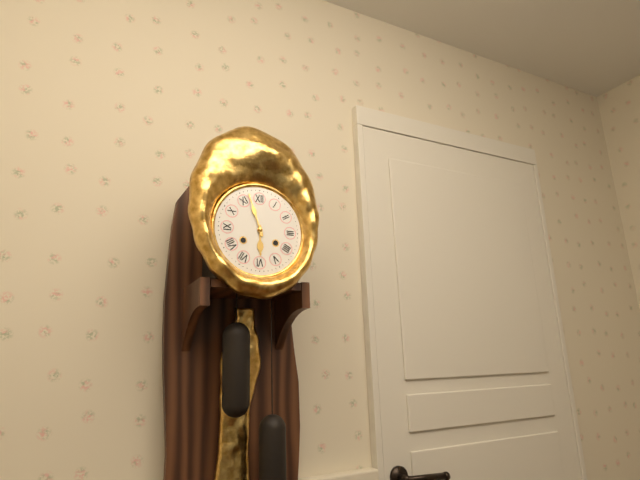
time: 5:57
